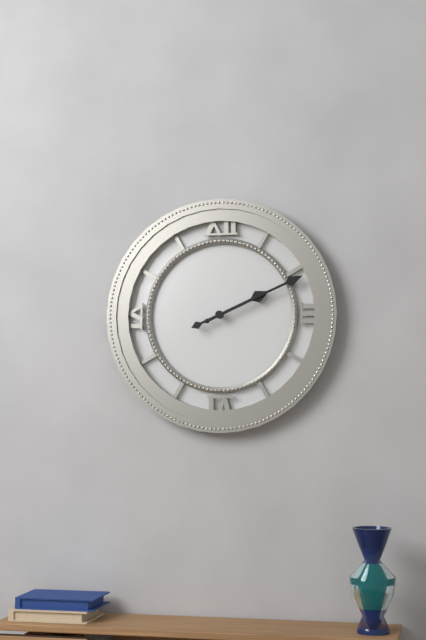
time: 2:11
